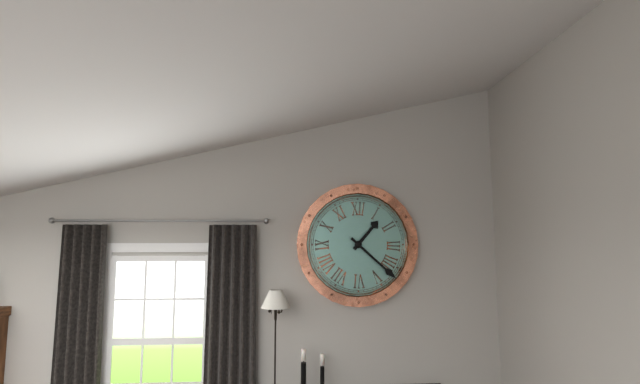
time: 1:22
